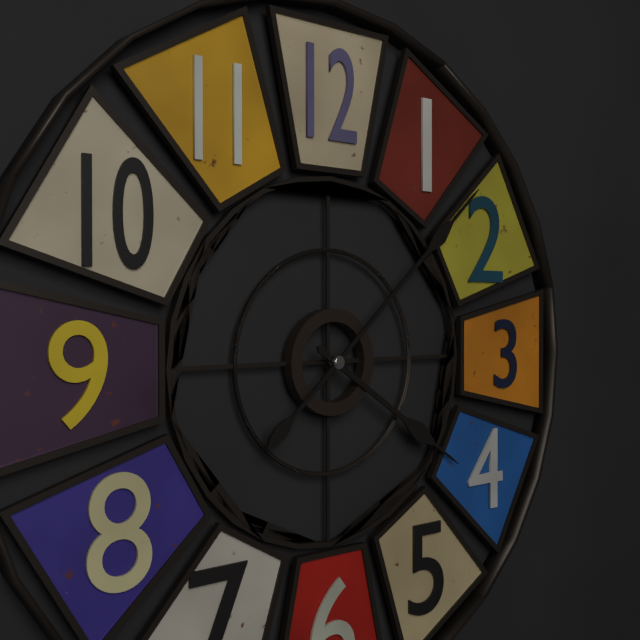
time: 4:08
